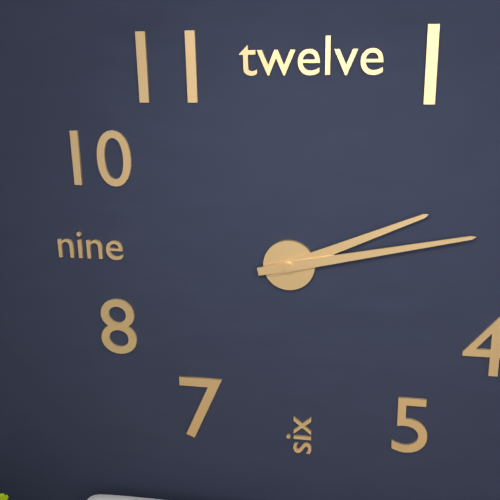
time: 2:13
